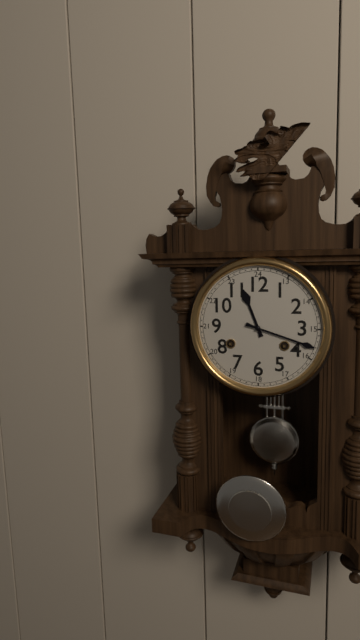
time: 11:18
